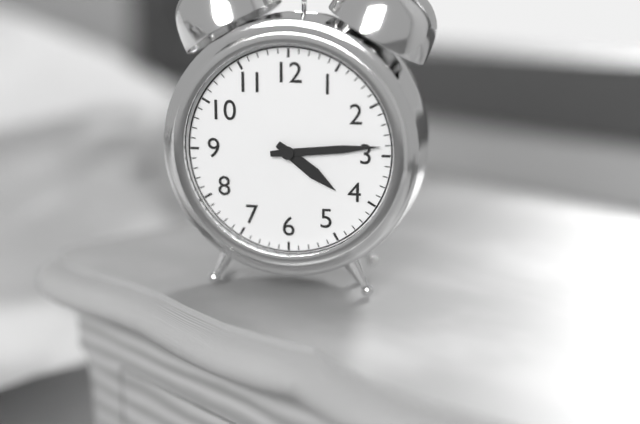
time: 4:14
